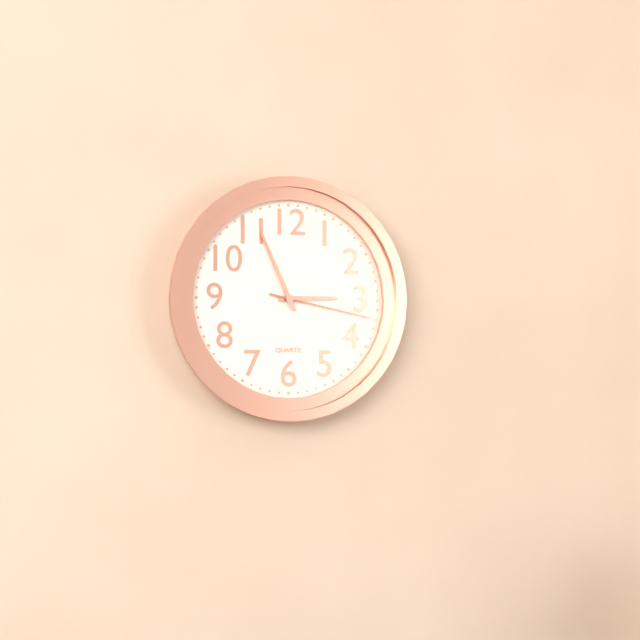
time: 2:56:17
